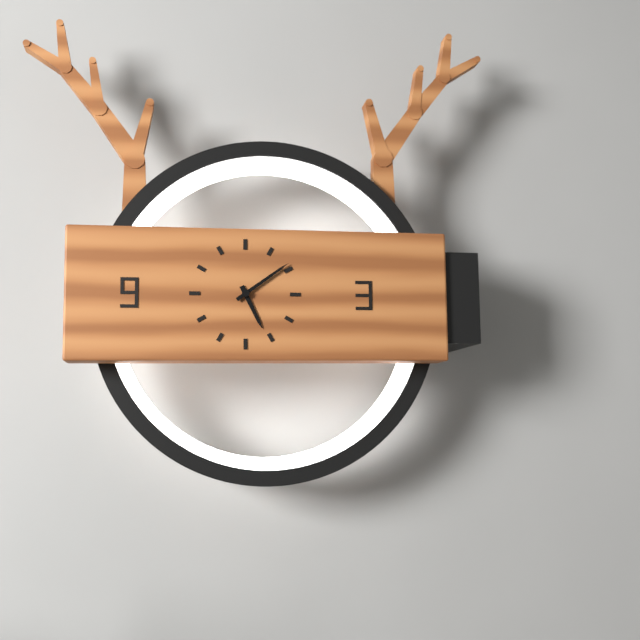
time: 5:09
